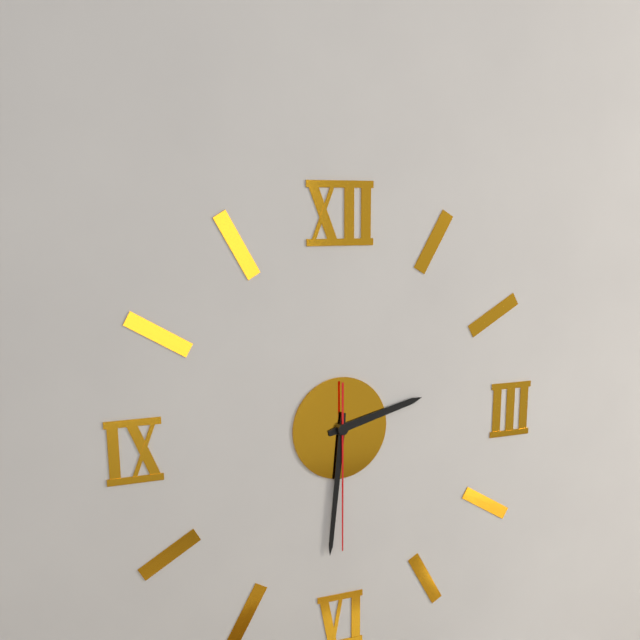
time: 2:31:30
